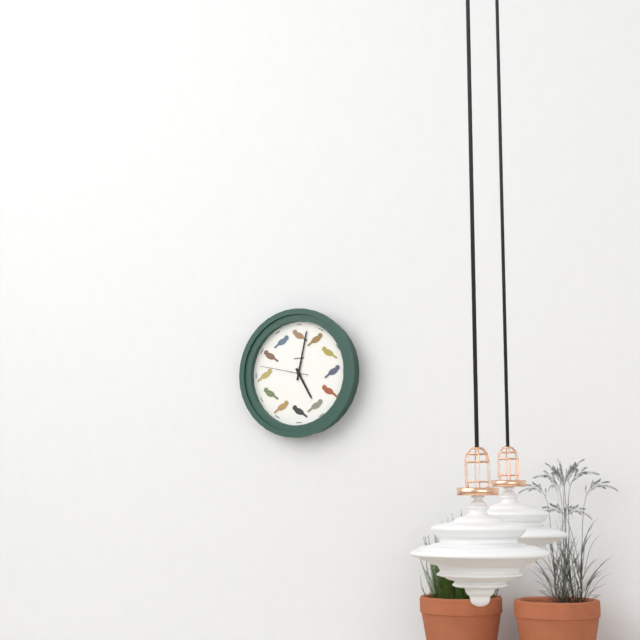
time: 5:02
